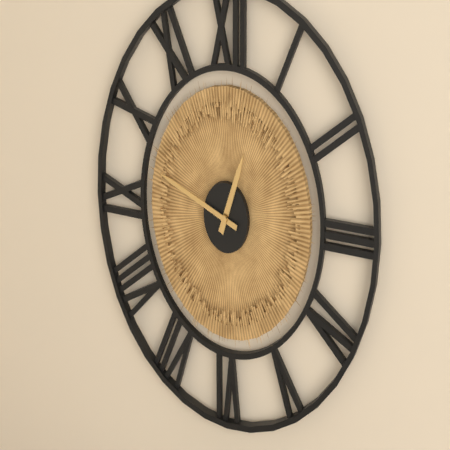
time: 12:48
